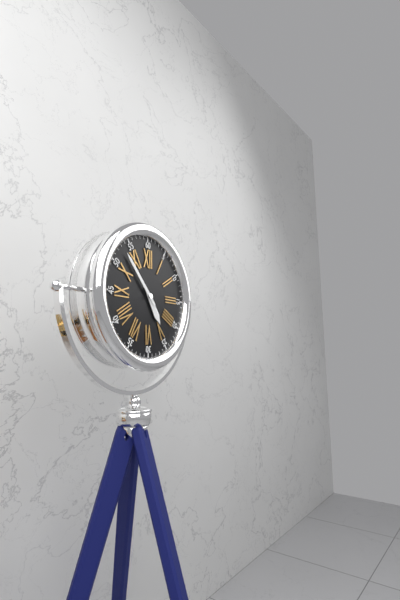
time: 4:53
